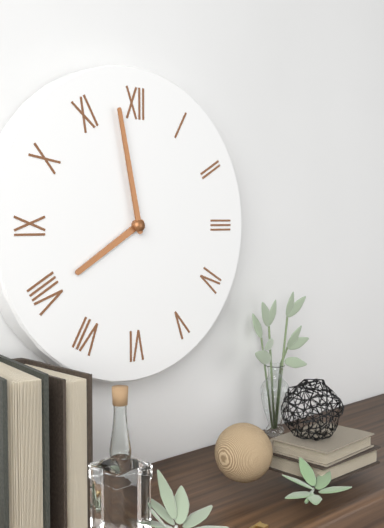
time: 7:58
